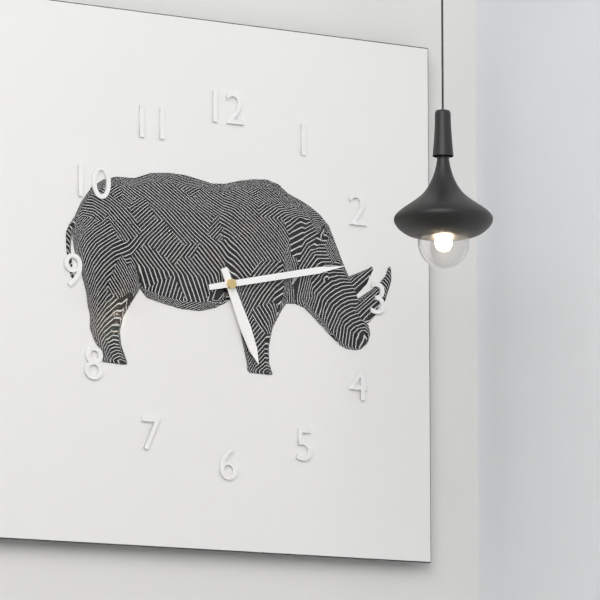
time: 5:13
